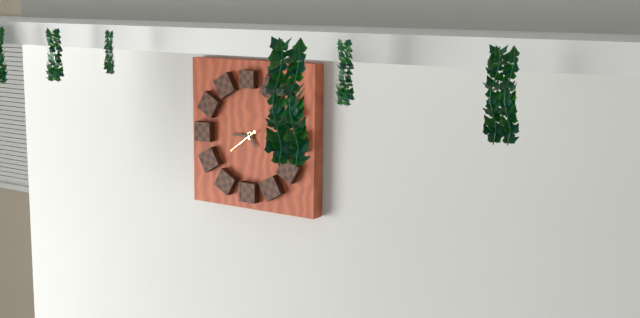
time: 4:45
